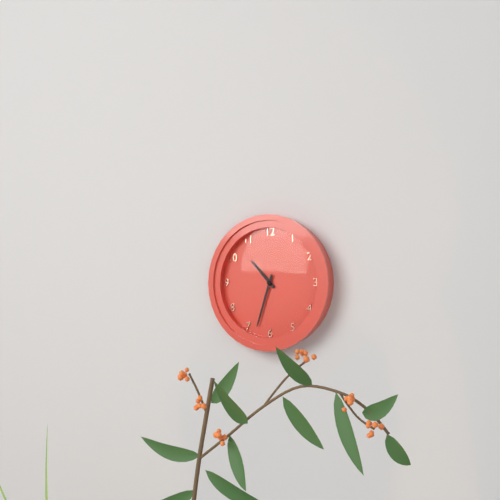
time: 10:33
